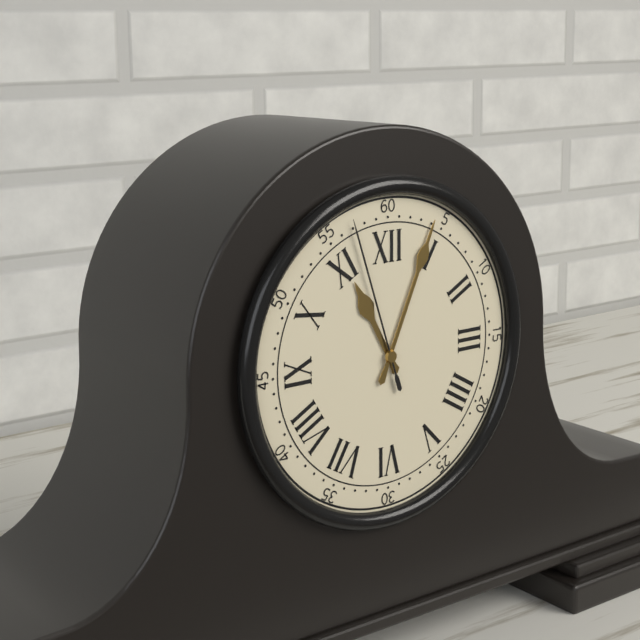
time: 11:04:57
